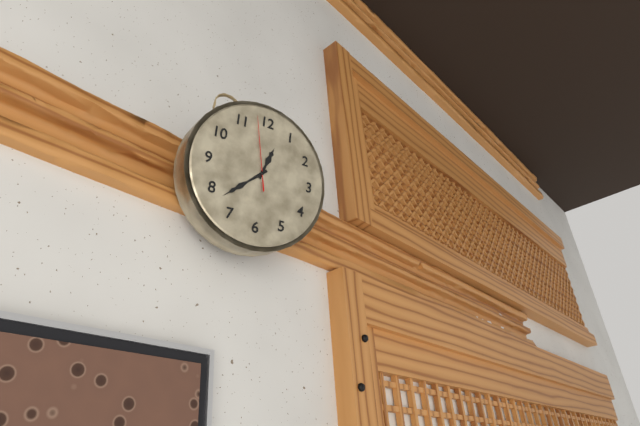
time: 12:38:58
